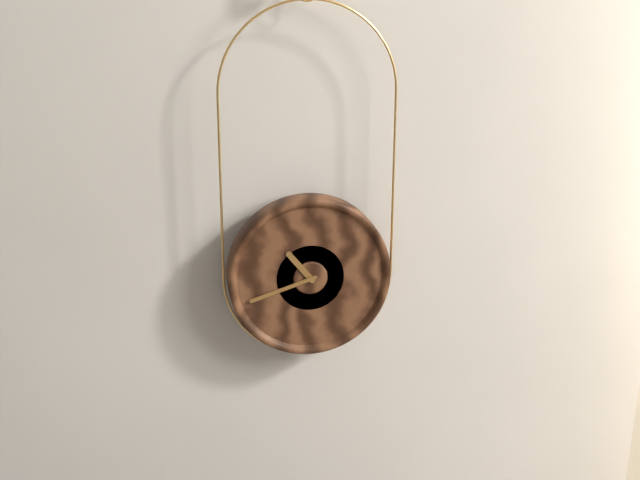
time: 10:42
